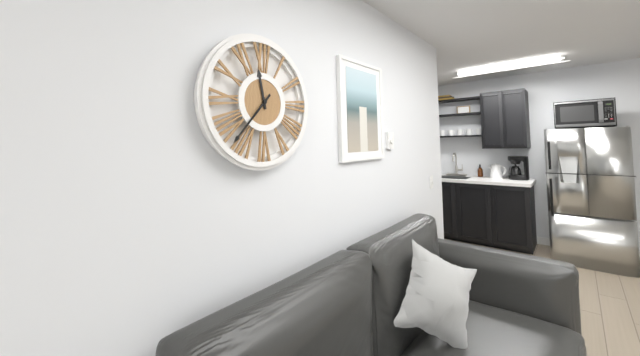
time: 11:37
